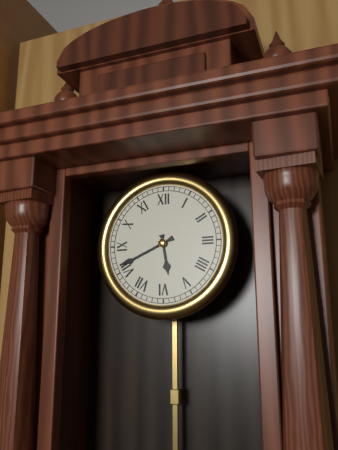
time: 5:41
